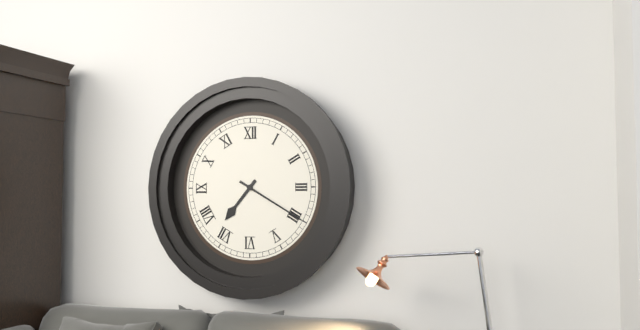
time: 7:20
